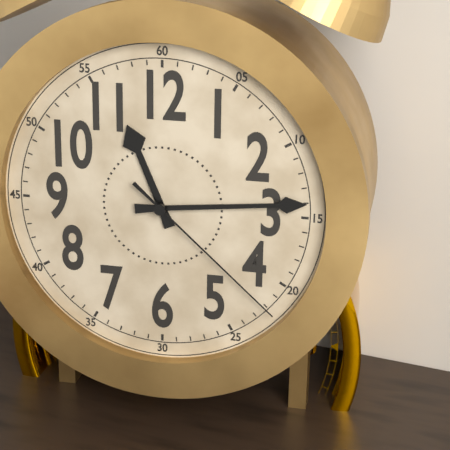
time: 11:14:22
